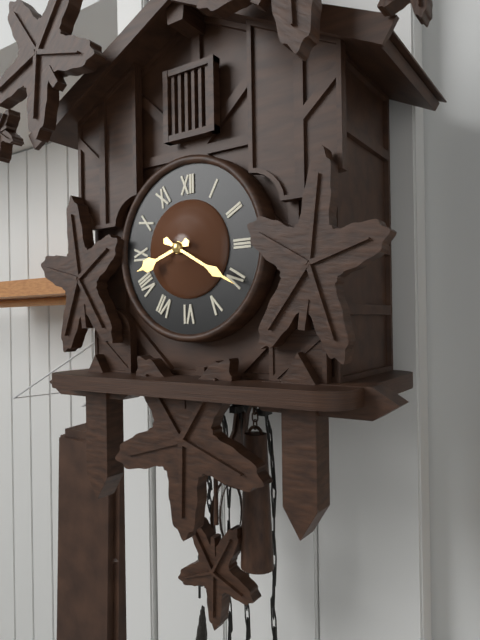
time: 8:20
